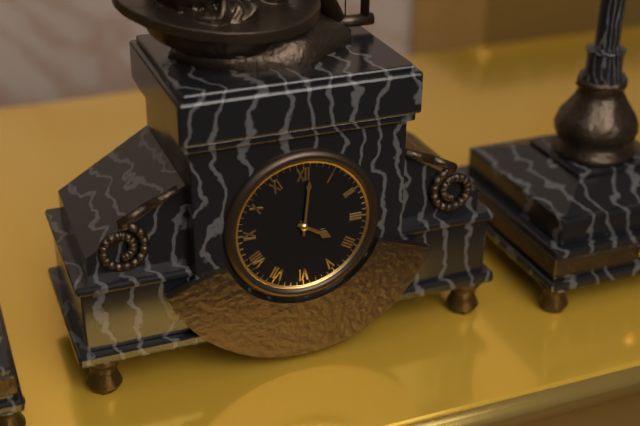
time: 4:01
